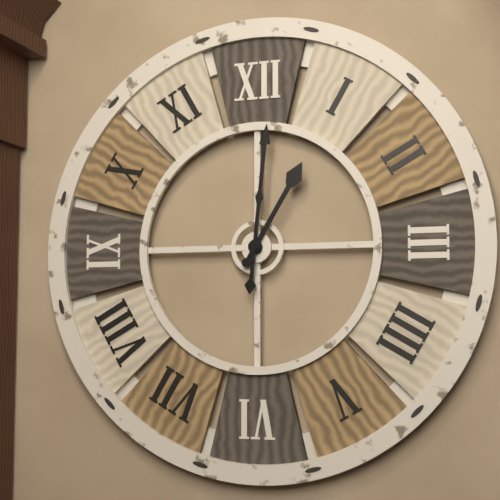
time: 1:01
